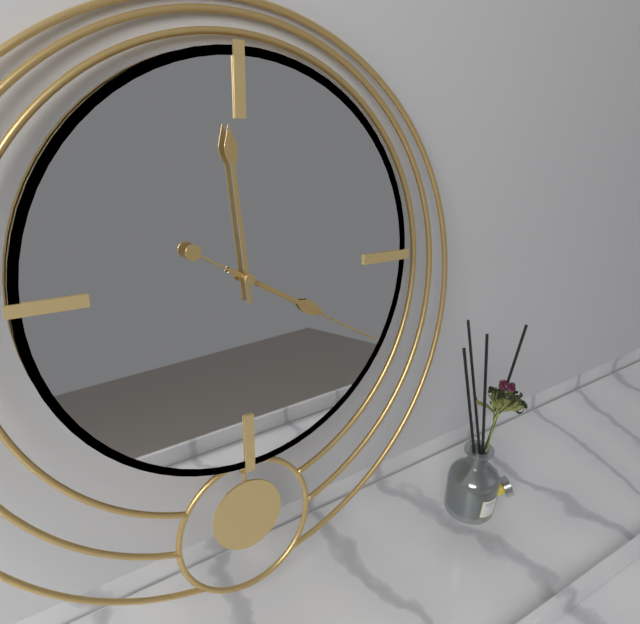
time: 3:59:20
